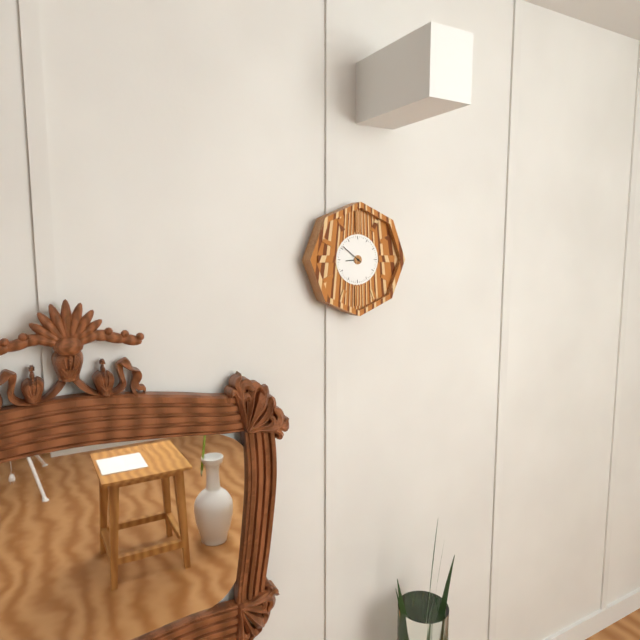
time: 8:51
